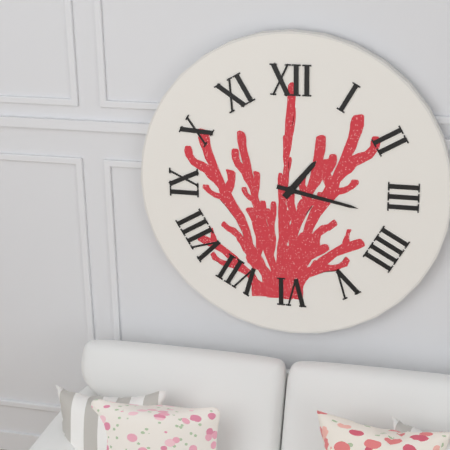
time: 1:17
